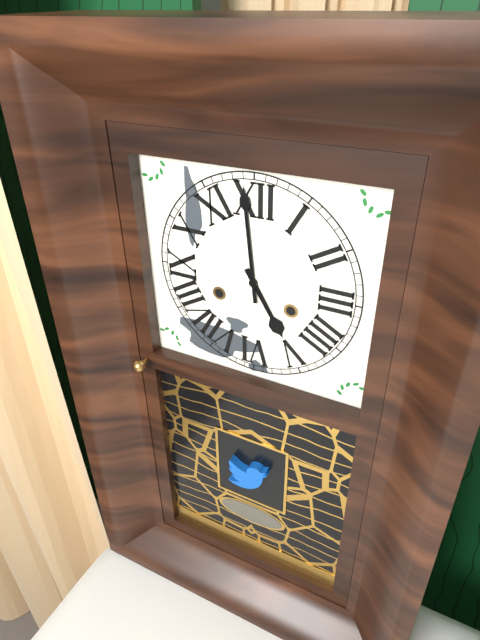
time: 4:59
